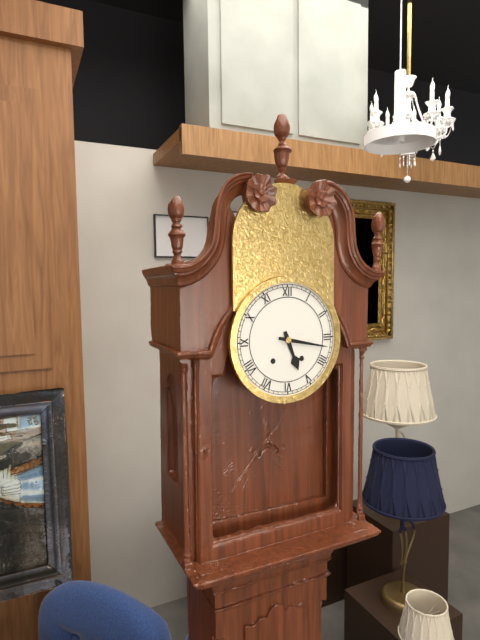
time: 5:17
